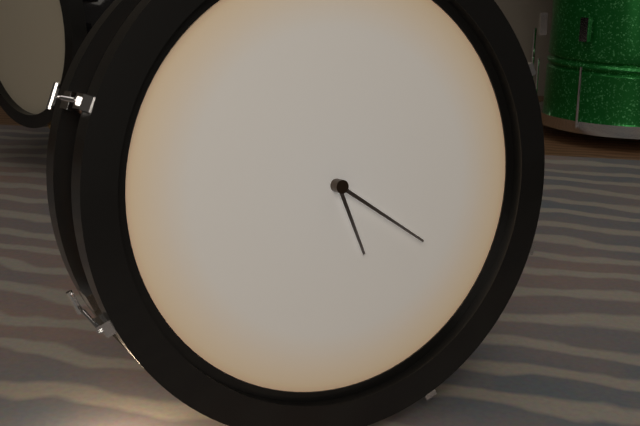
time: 5:21
